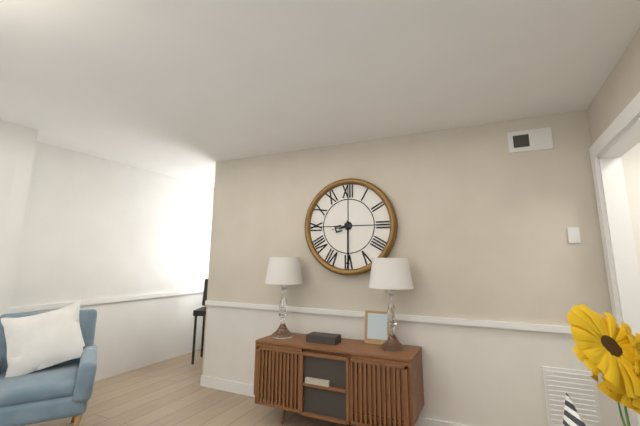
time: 8:30
